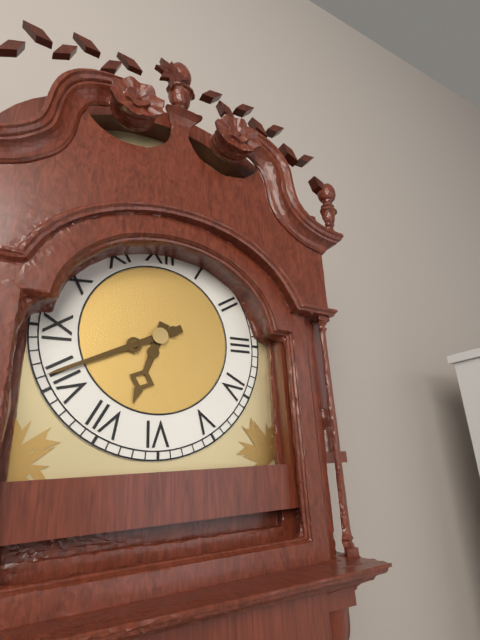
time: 6:41
